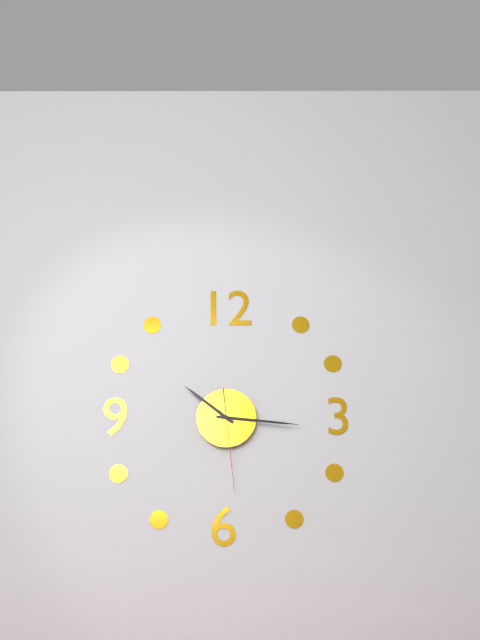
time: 10:16:29
